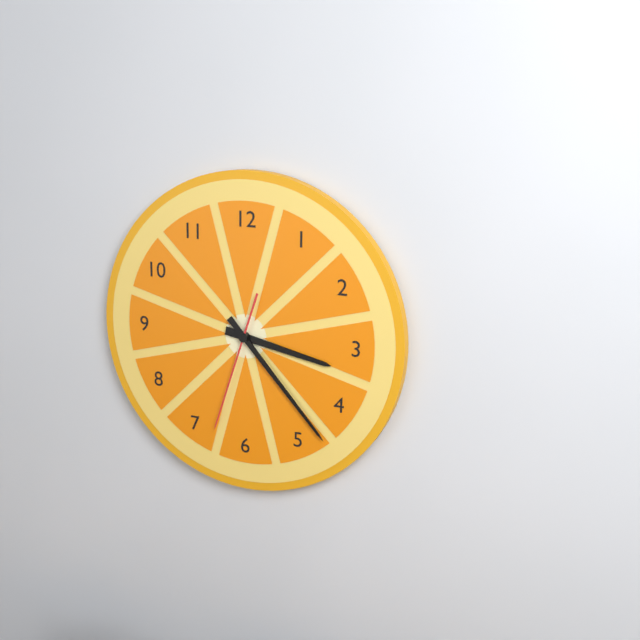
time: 3:23:33
